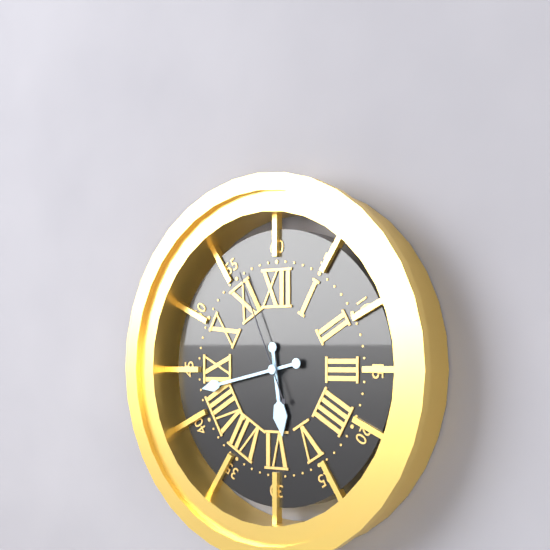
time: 5:43:56
